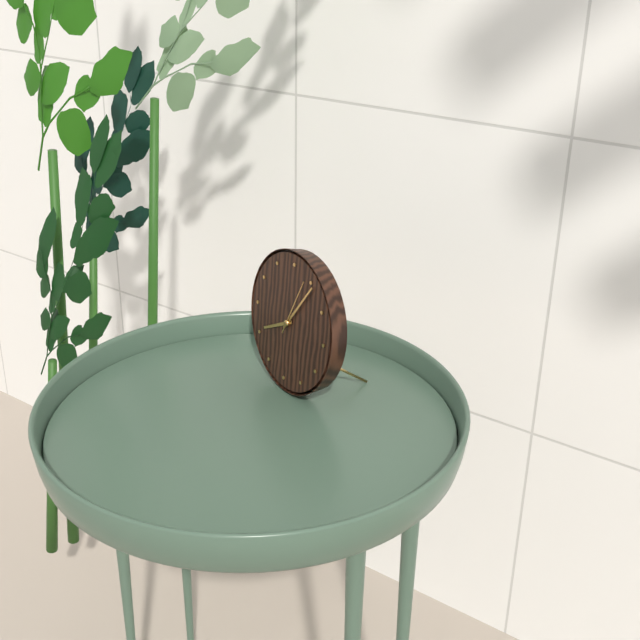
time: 8:06:04
